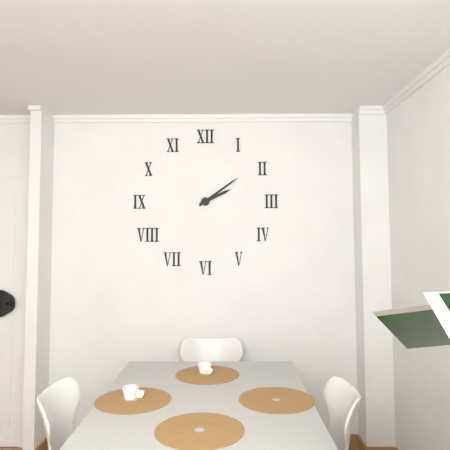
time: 2:09
